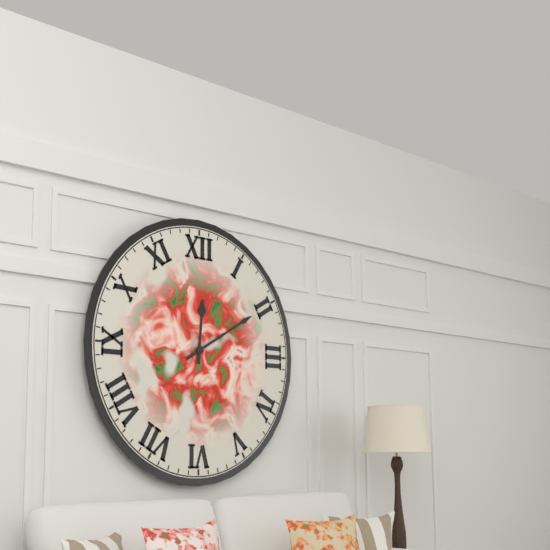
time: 12:10
